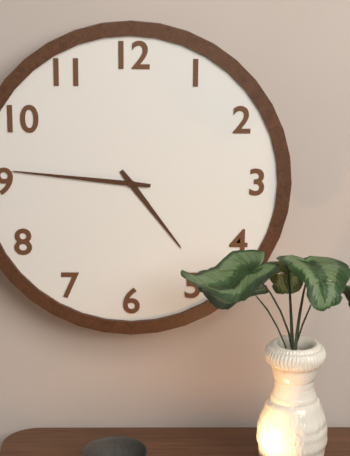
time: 4:46
